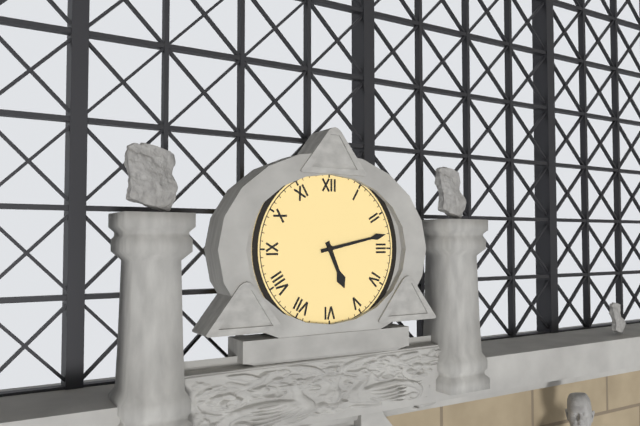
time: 5:13
